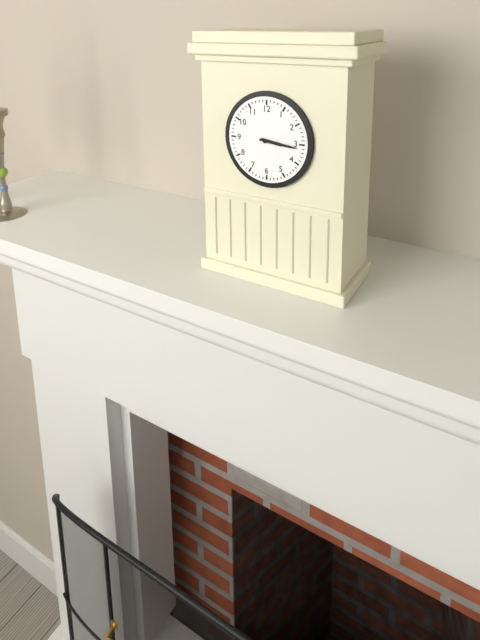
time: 3:16
